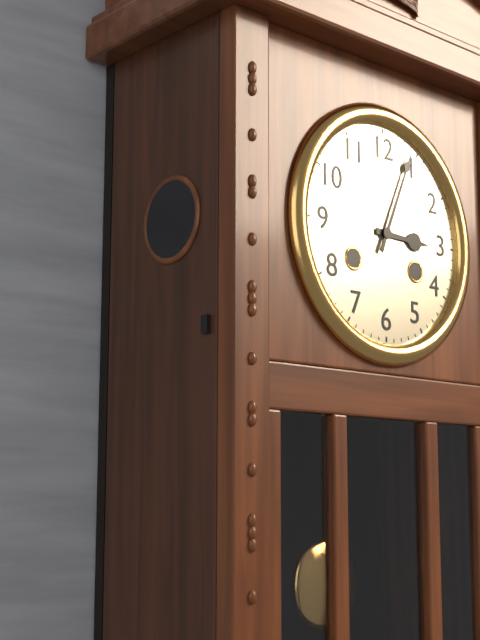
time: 3:04
